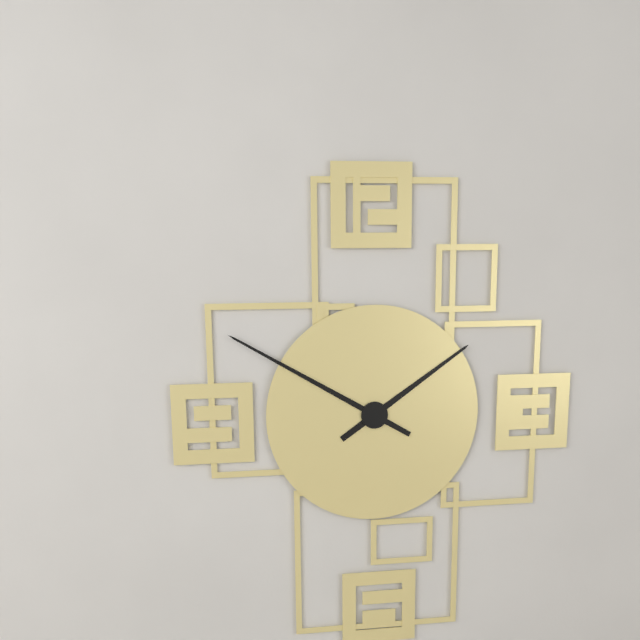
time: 1:50
